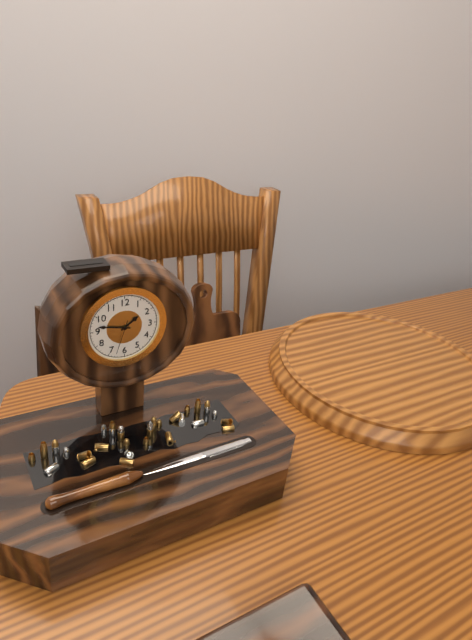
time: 1:47
